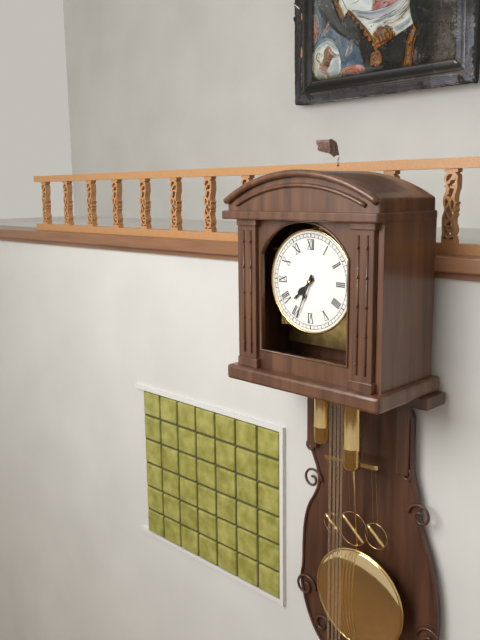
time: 7:34
